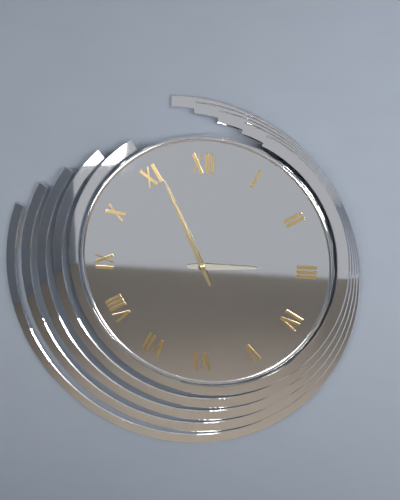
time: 2:56
